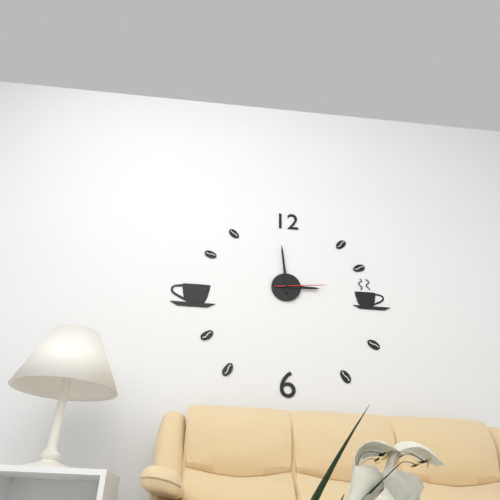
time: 2:59:14
